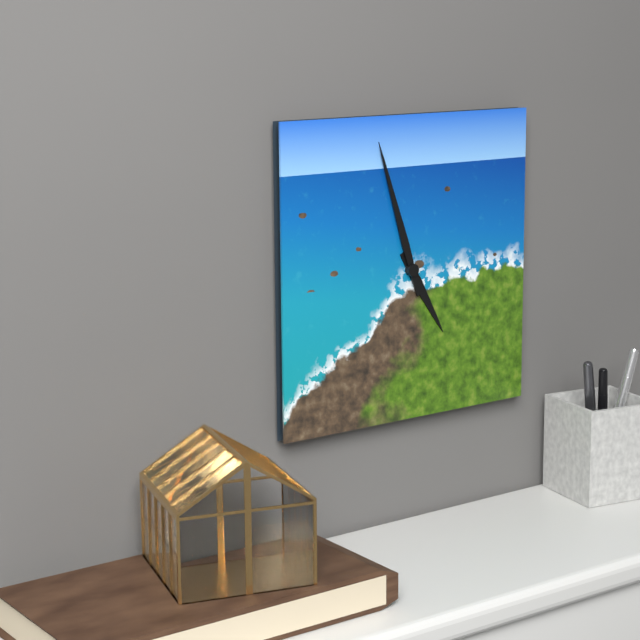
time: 4:57
